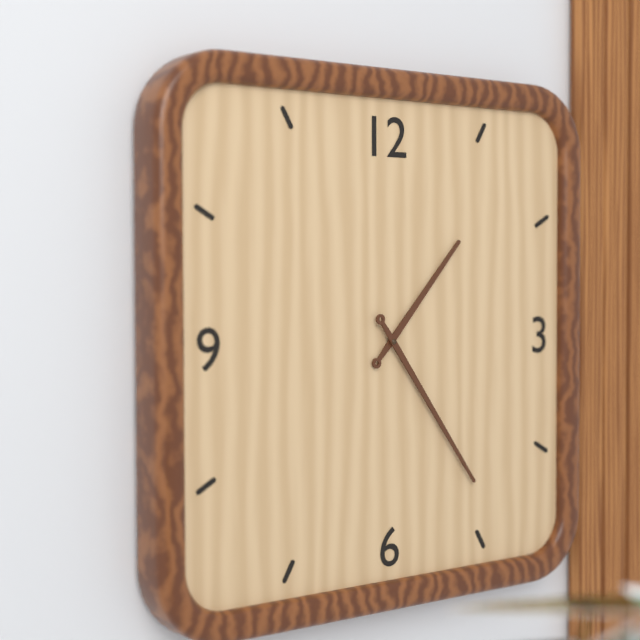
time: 1:24
